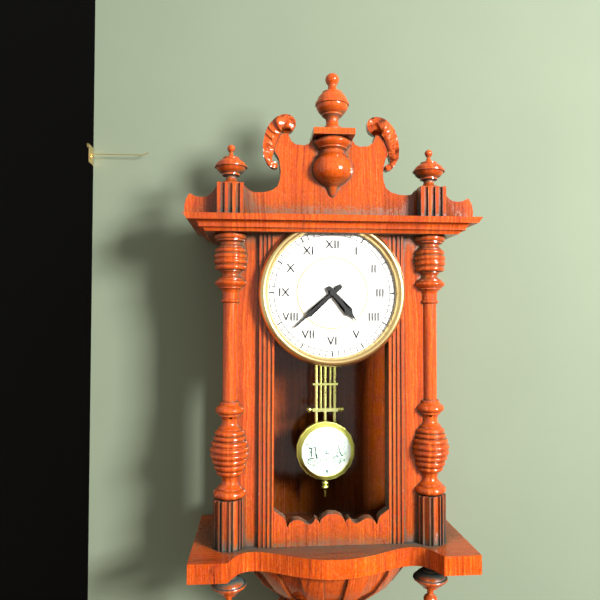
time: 4:38
